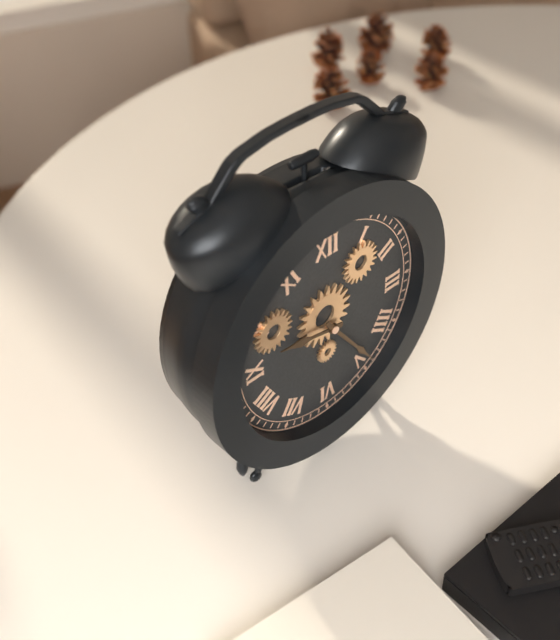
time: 9:24
